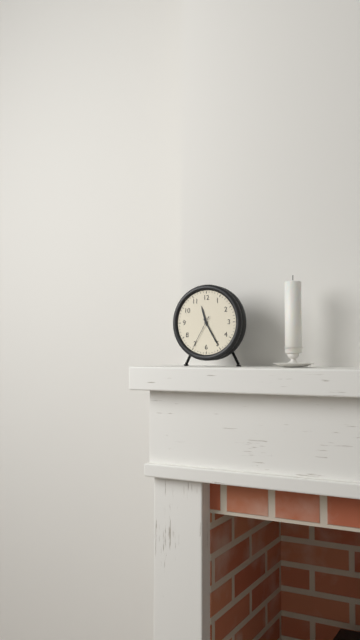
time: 11:25
